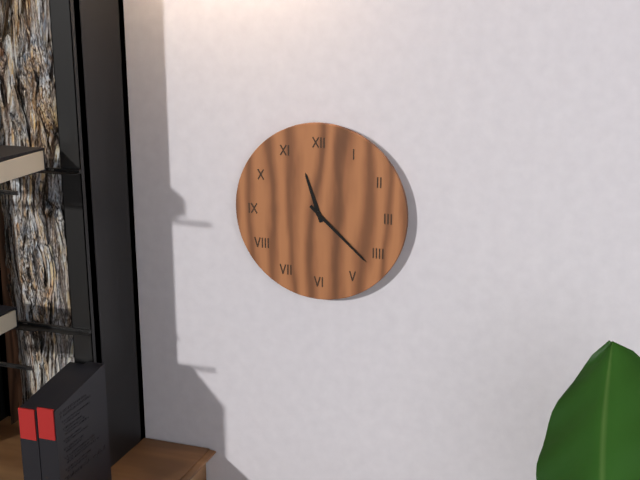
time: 11:22
